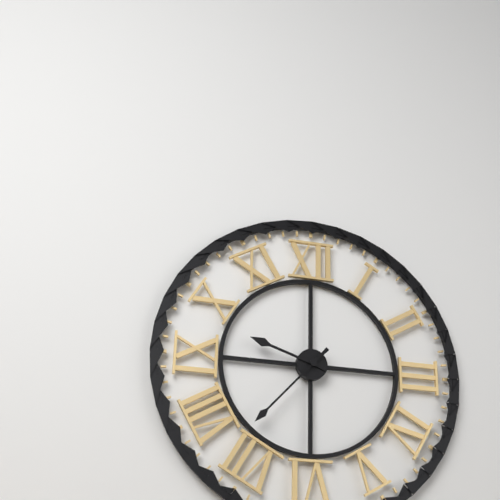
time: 9:37
